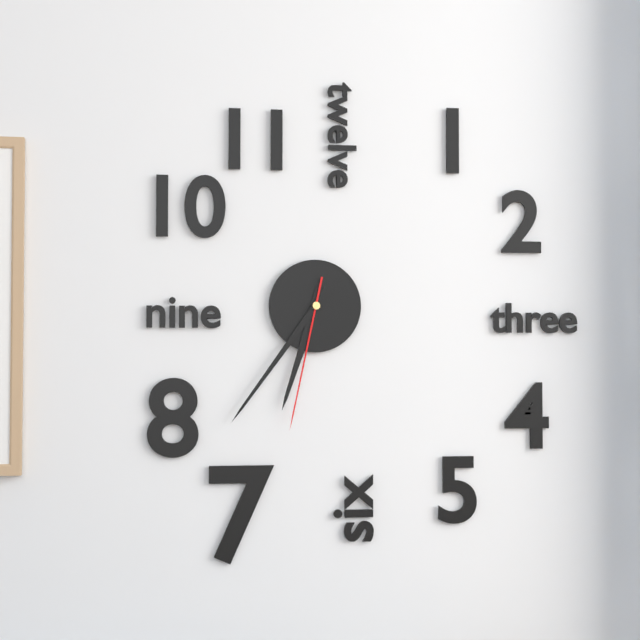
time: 6:36:32
